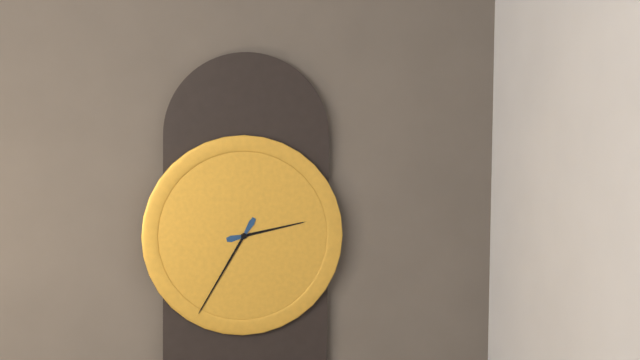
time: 2:35
